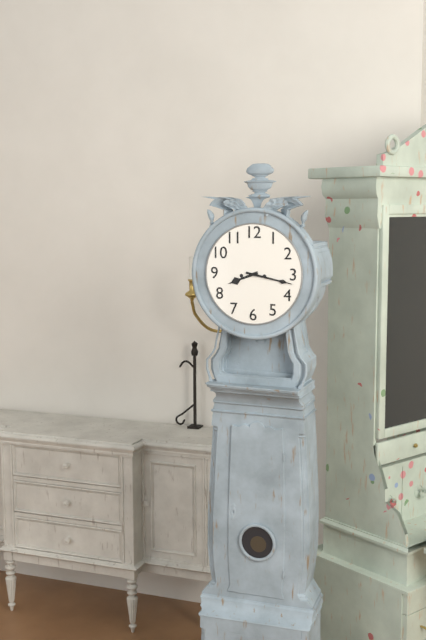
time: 8:17
